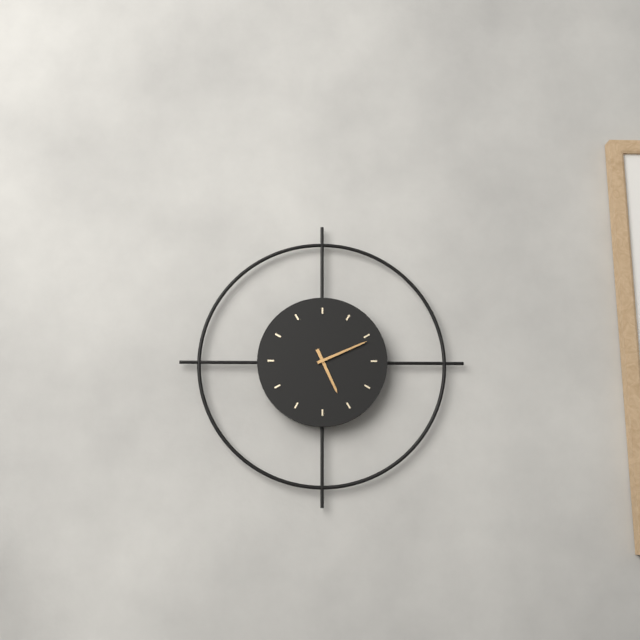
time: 5:11
